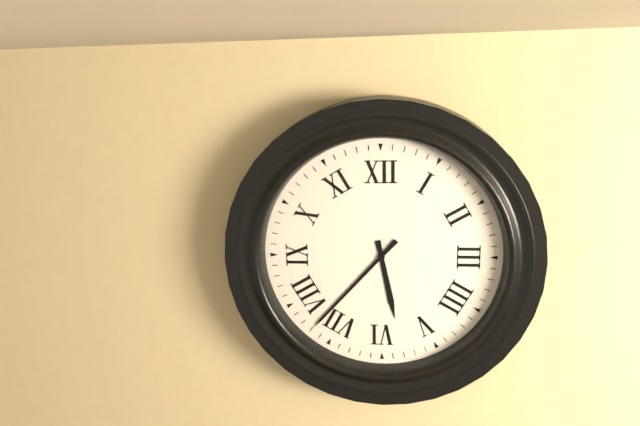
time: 5:37
